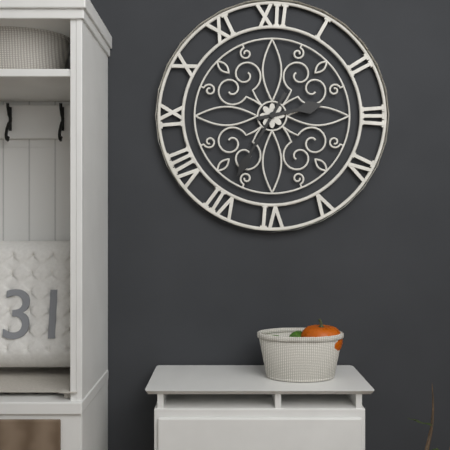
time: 2:35
